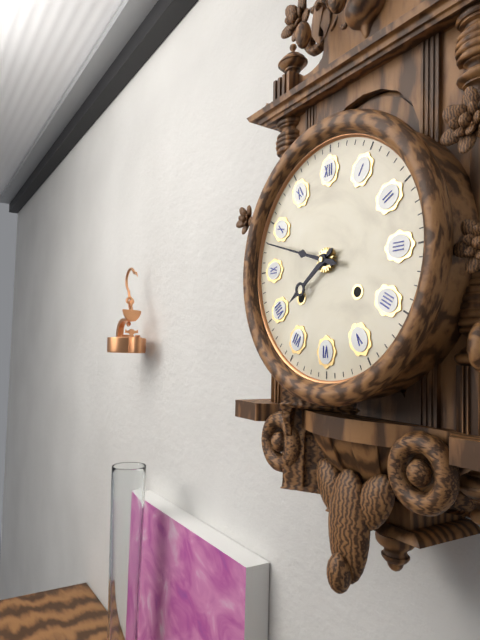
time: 7:48
